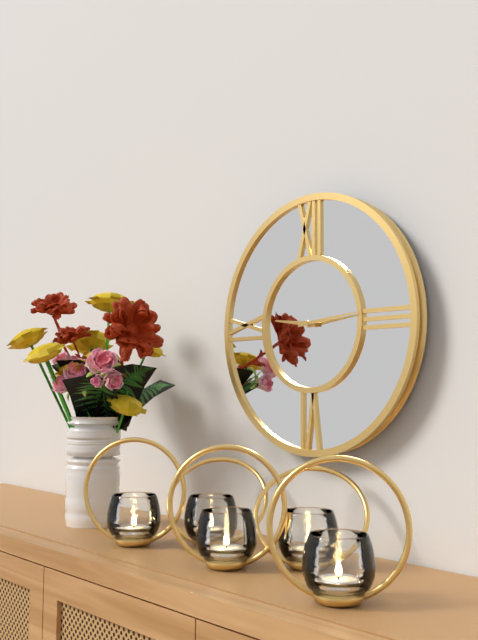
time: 9:14
